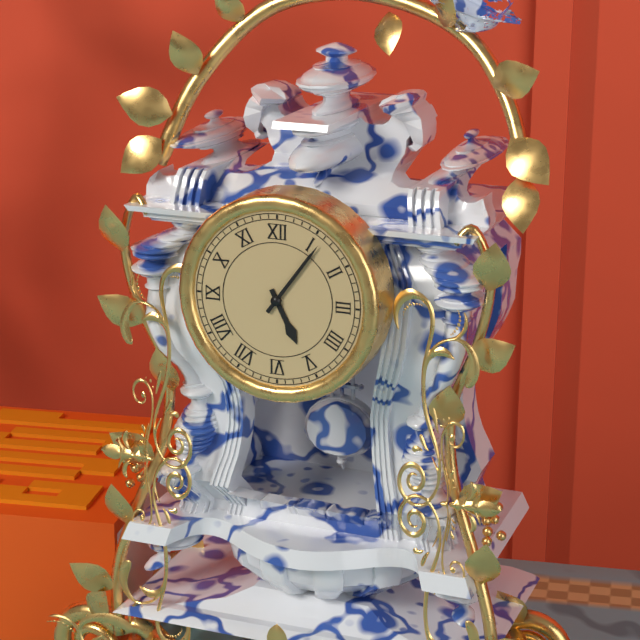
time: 5:06
